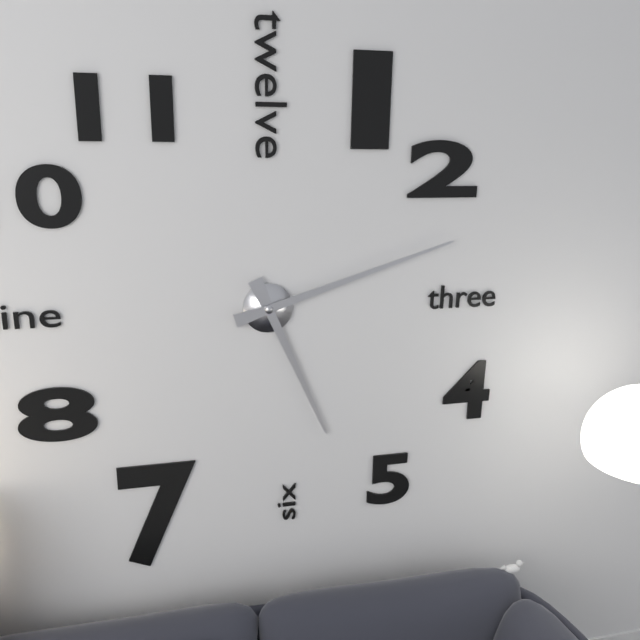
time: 5:12
